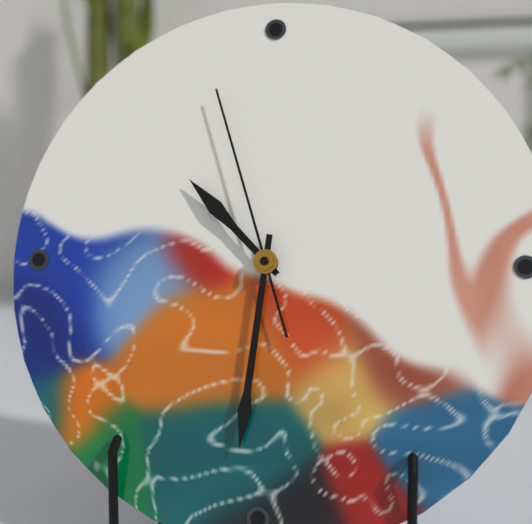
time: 10:31:57
